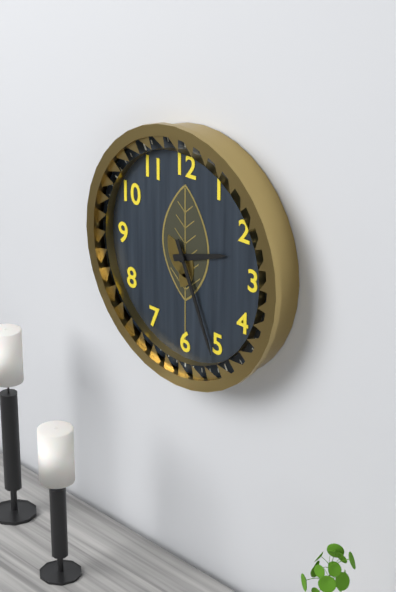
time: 2:26
